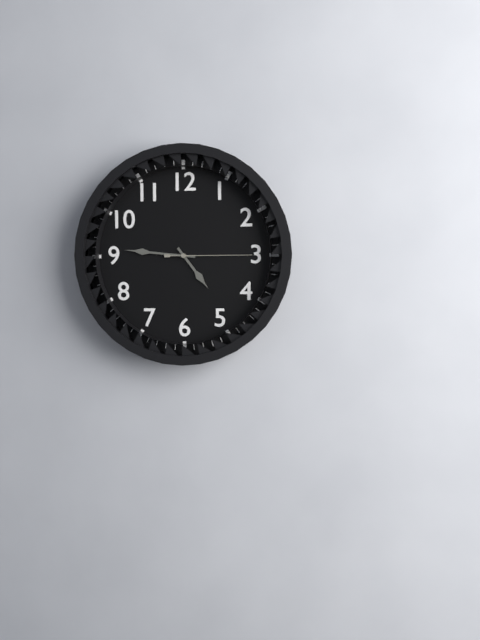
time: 4:46:15
